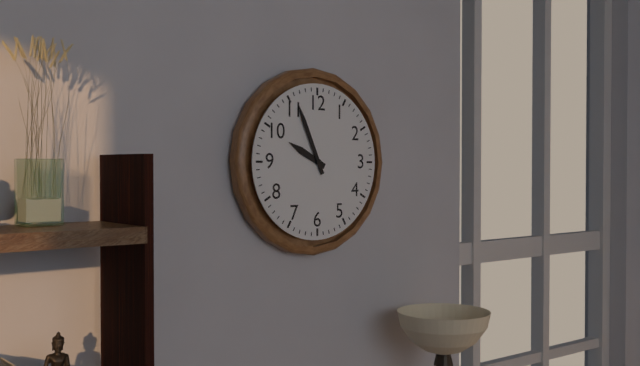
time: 9:56
